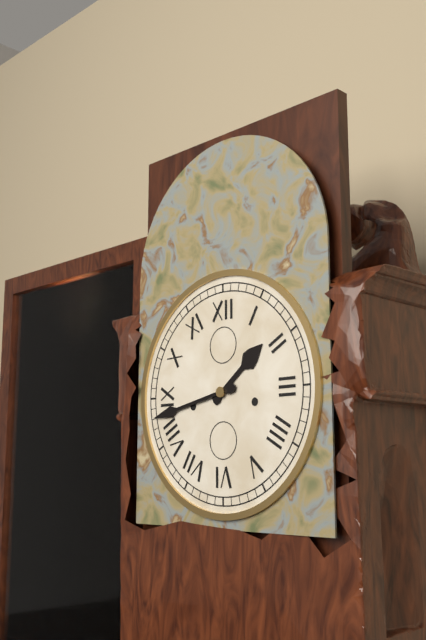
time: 1:43
